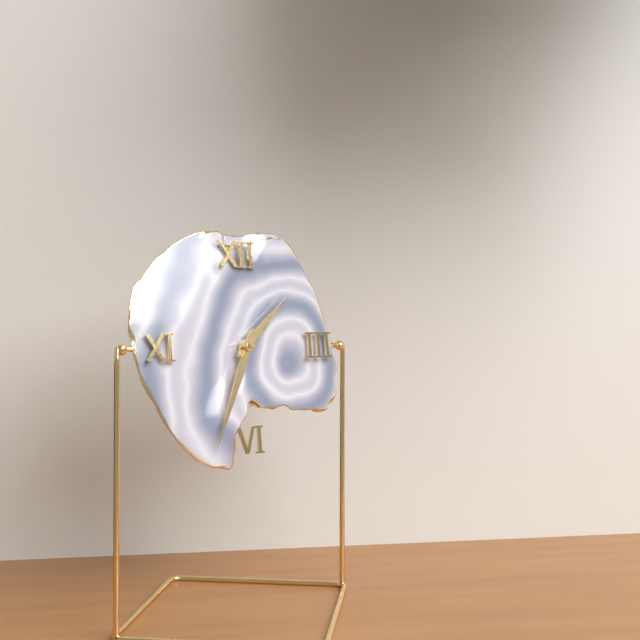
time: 1:34
